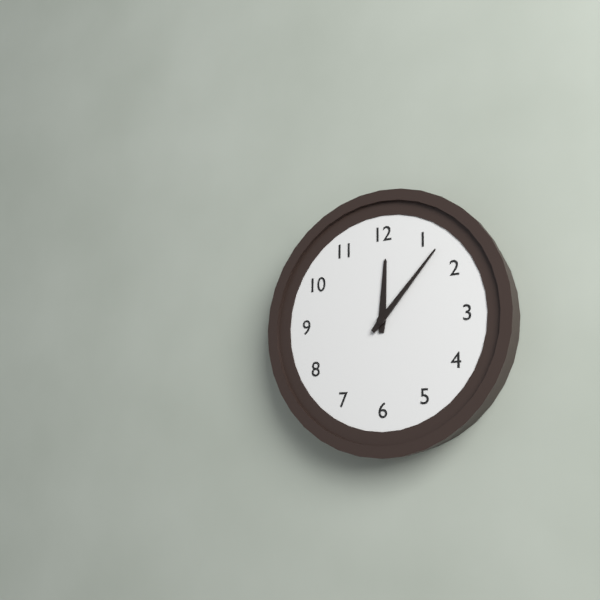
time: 12:07
